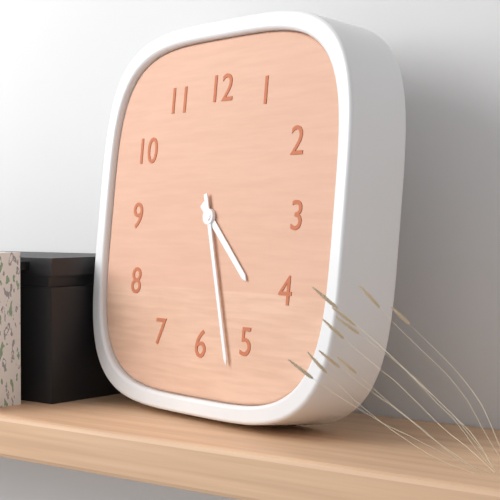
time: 4:27
